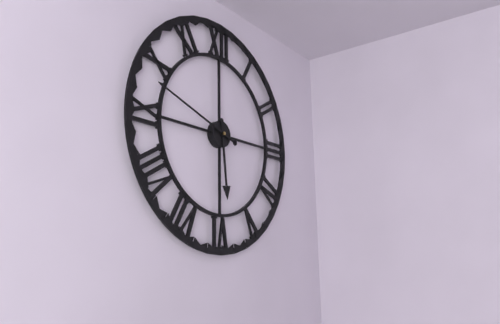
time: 5:48
